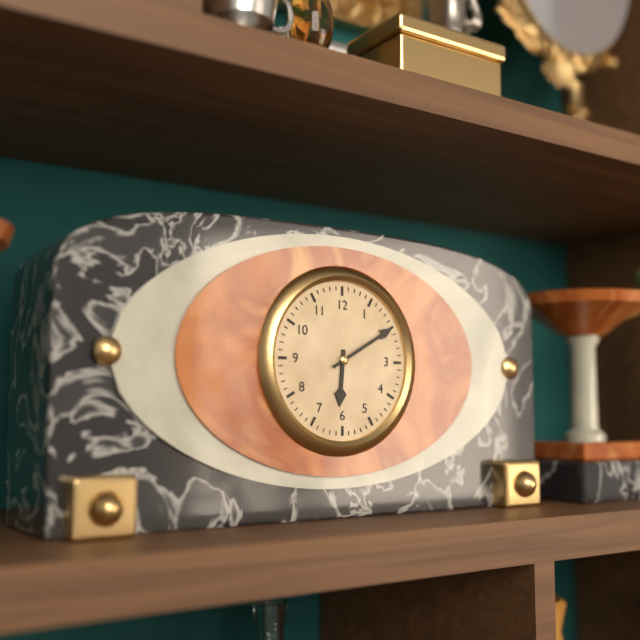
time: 6:10
